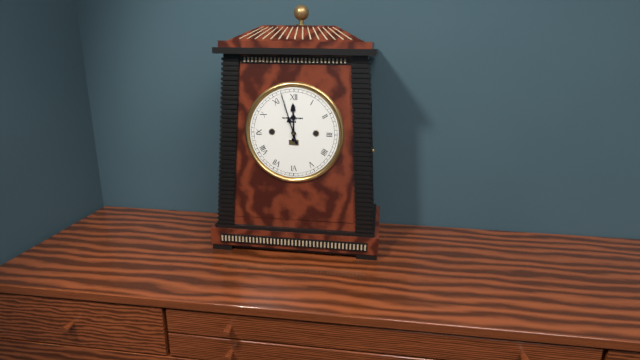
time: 11:57
